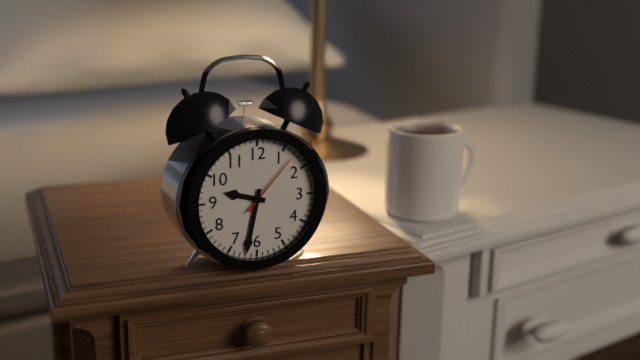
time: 9:32:07
